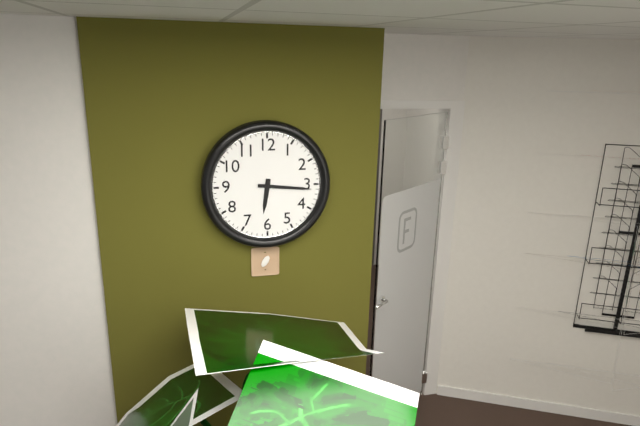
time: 6:16
